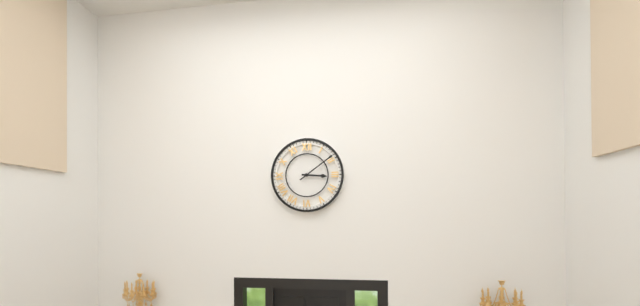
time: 3:09
